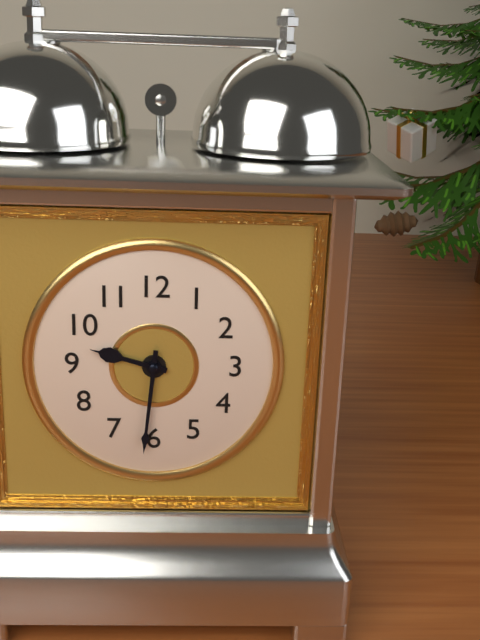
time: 9:31
